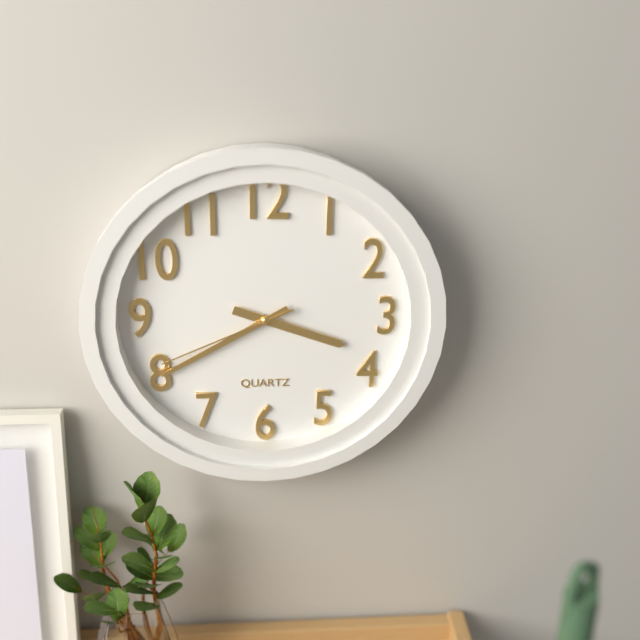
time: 3:40:41
